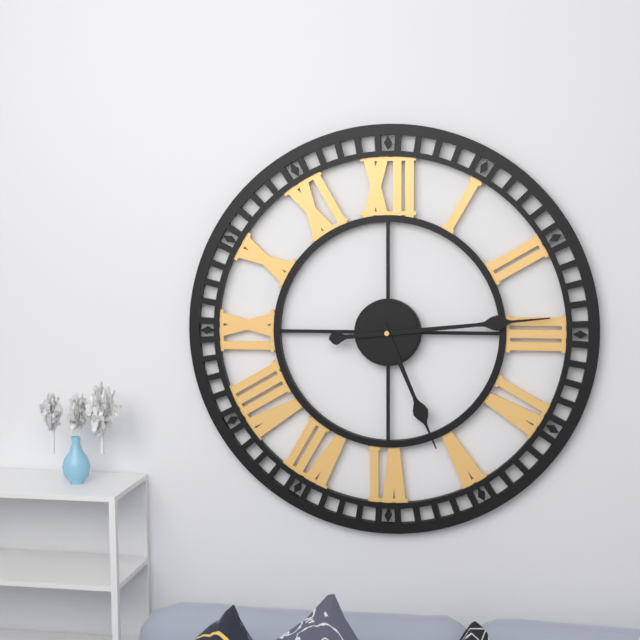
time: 5:14
